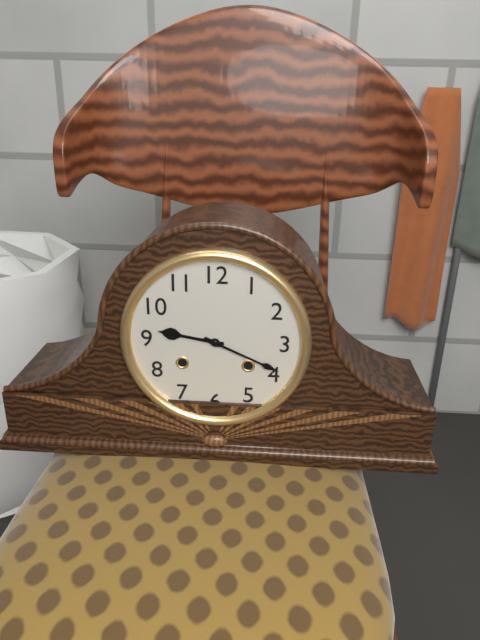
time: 9:19
